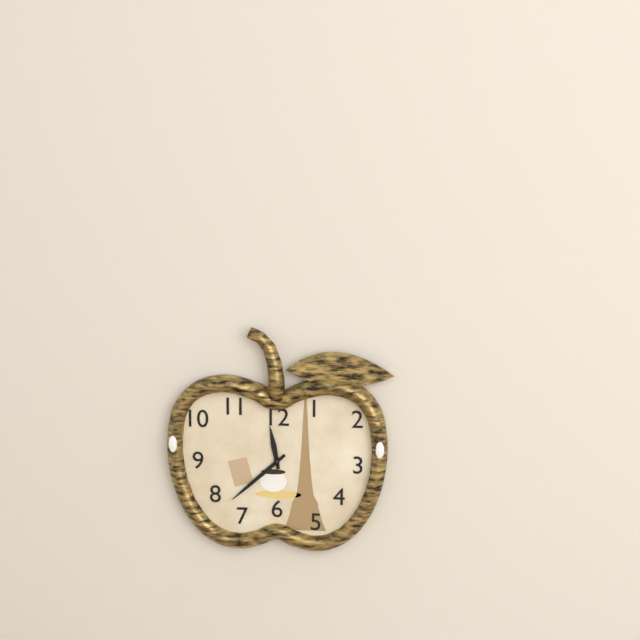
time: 11:38
